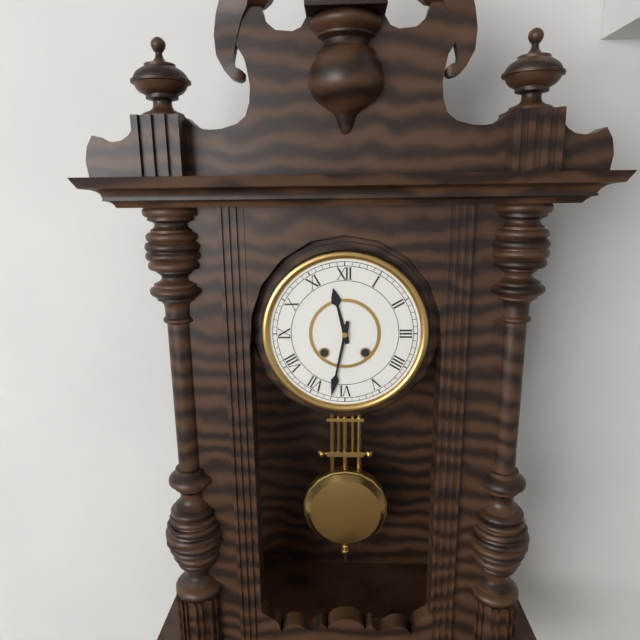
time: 11:32
